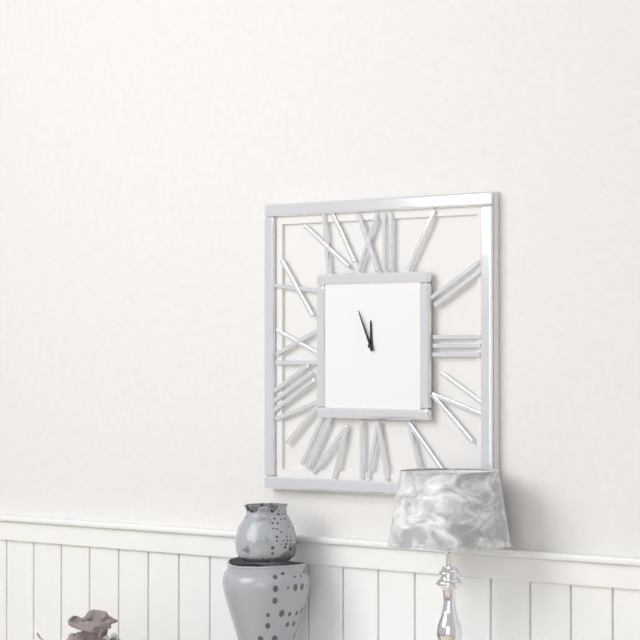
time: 11:56
